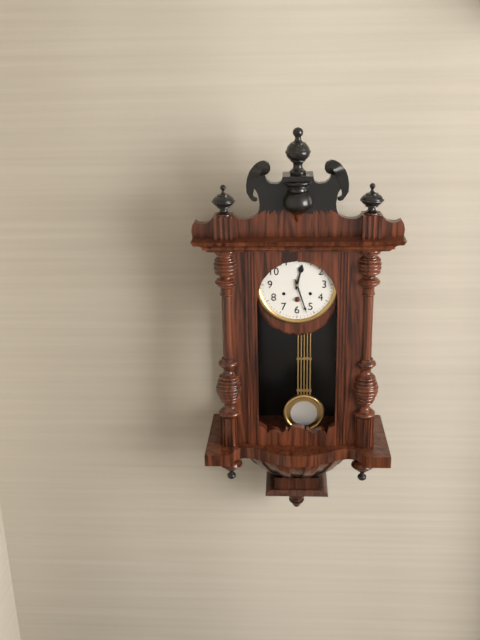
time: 12:27
